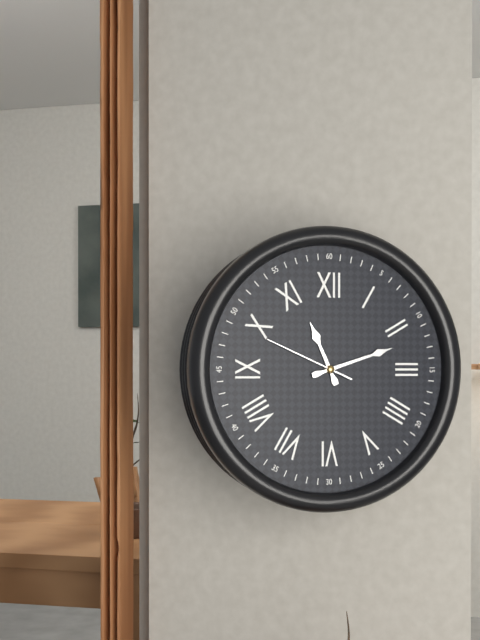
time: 11:12:49
